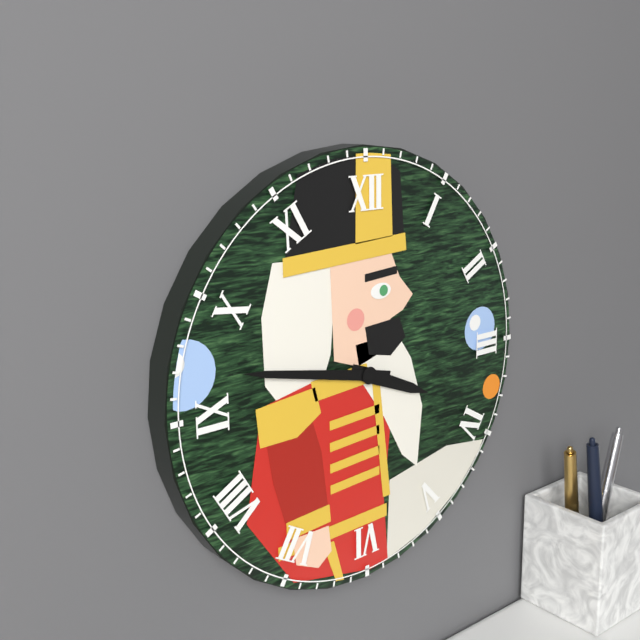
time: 3:47
